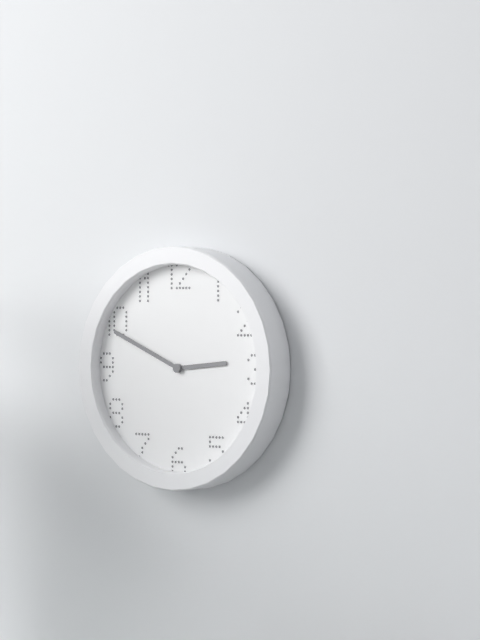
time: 2:49
